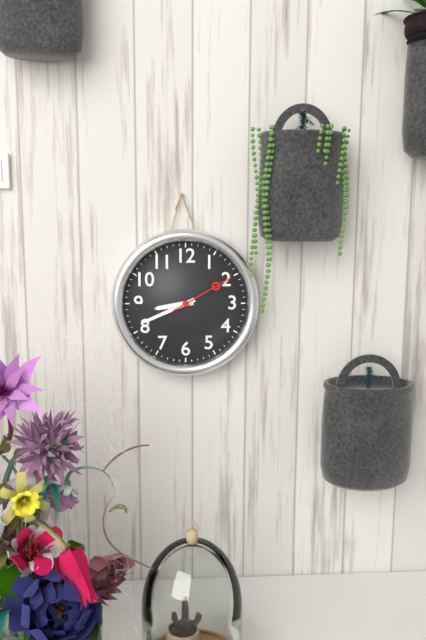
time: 8:41:10
